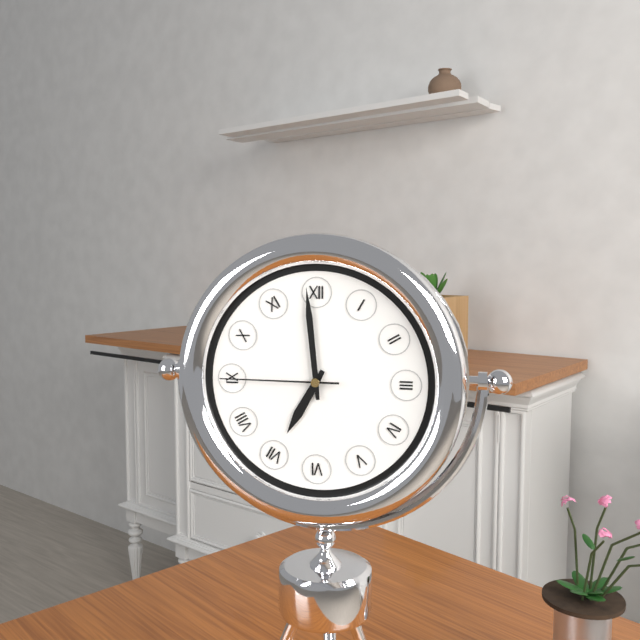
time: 6:59:45
